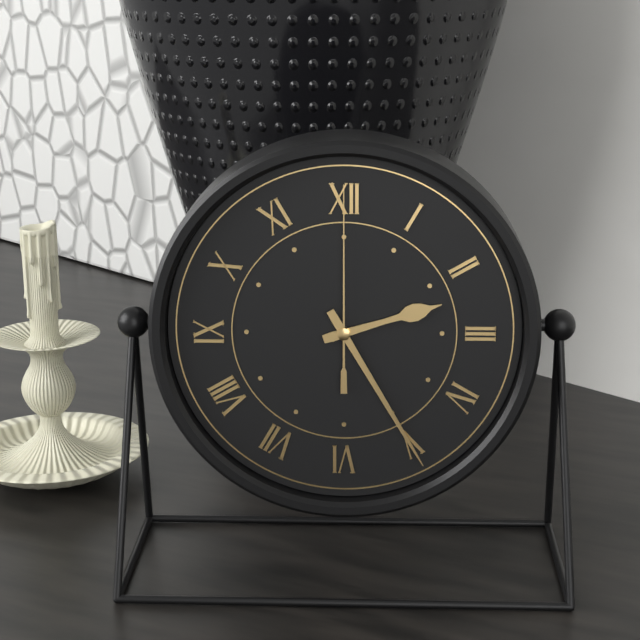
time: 2:25:00
